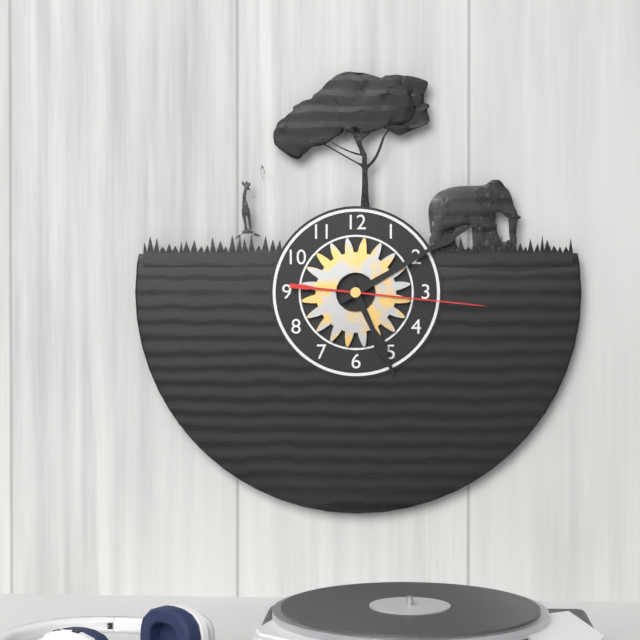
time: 5:10:16
